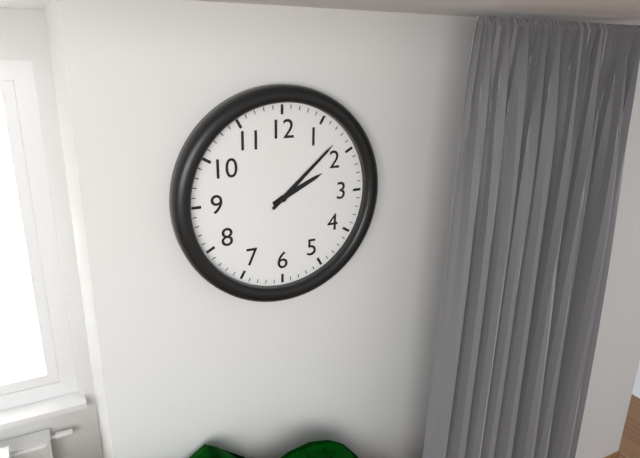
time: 2:08
